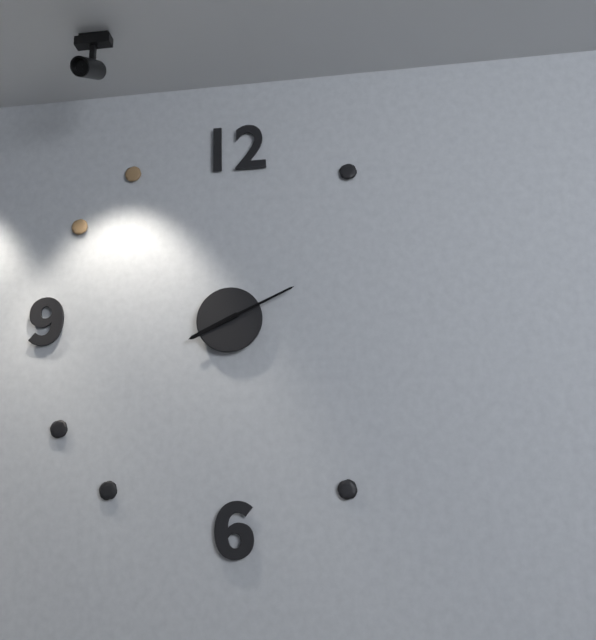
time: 8:11
